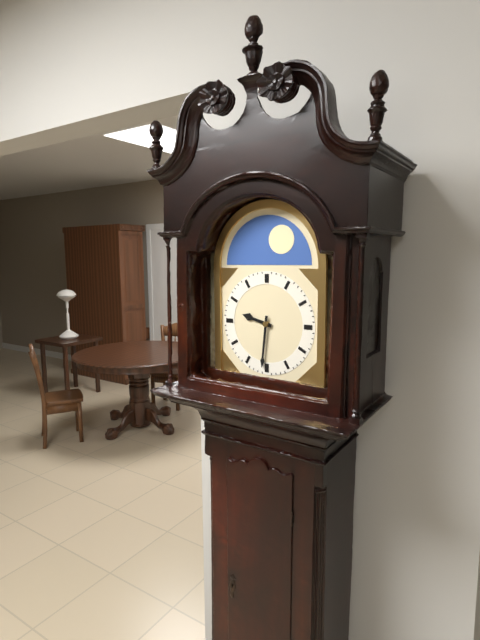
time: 9:31
